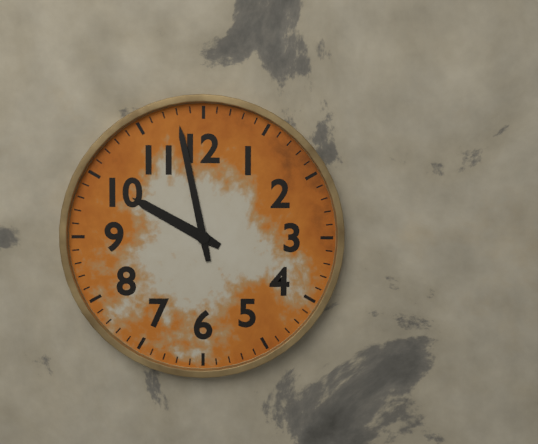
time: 9:58
